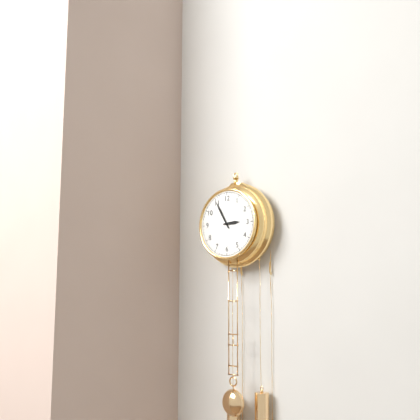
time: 2:55
